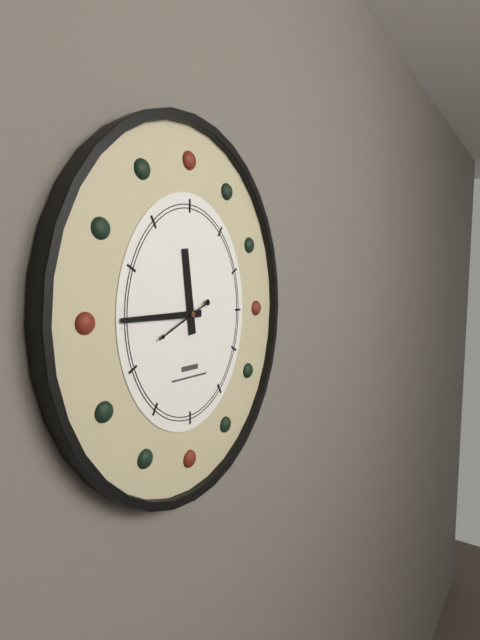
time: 11:45
